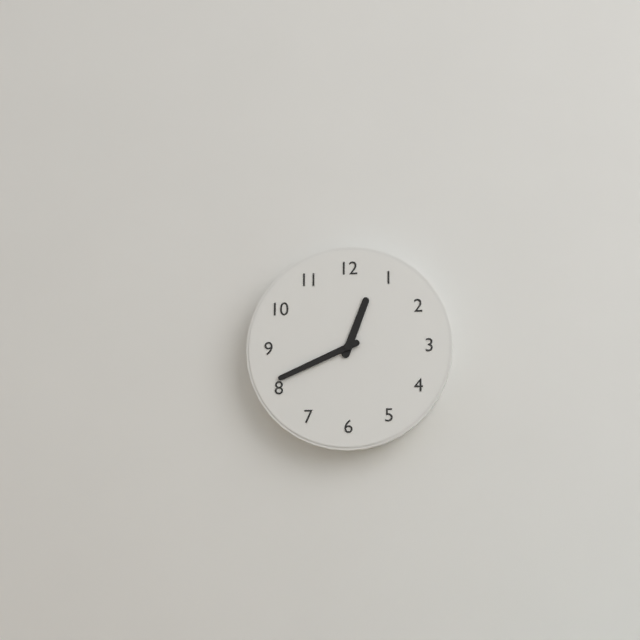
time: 12:41
